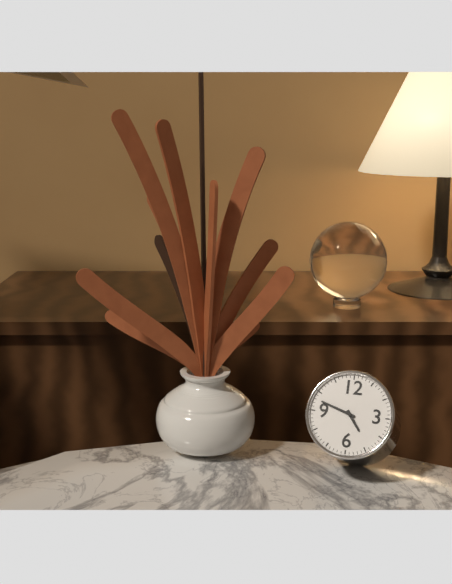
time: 4:48
